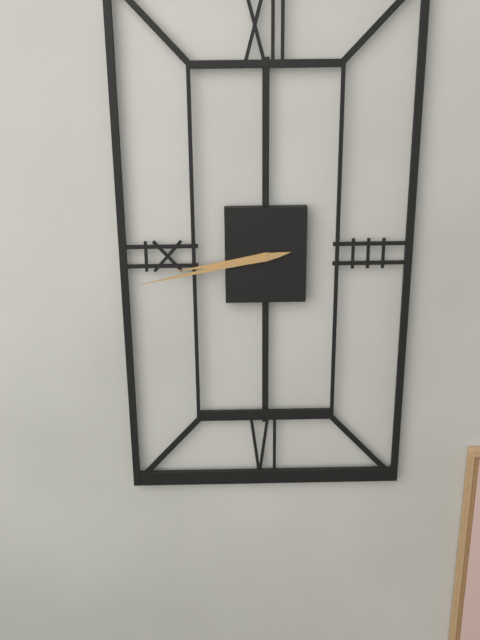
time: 8:43
